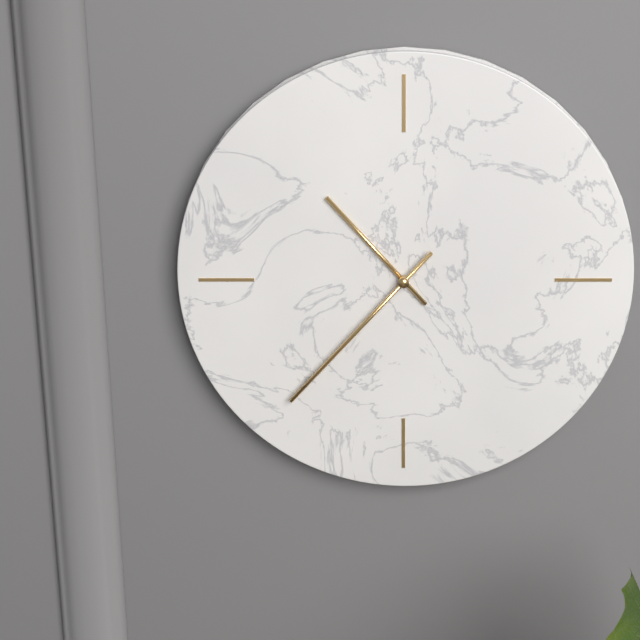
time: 10:37
